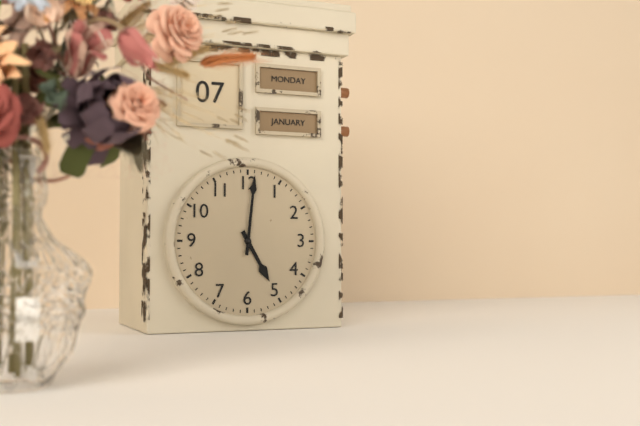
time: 5:01
